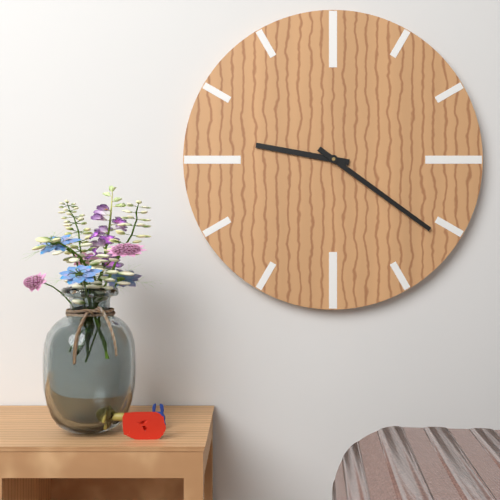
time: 9:21
